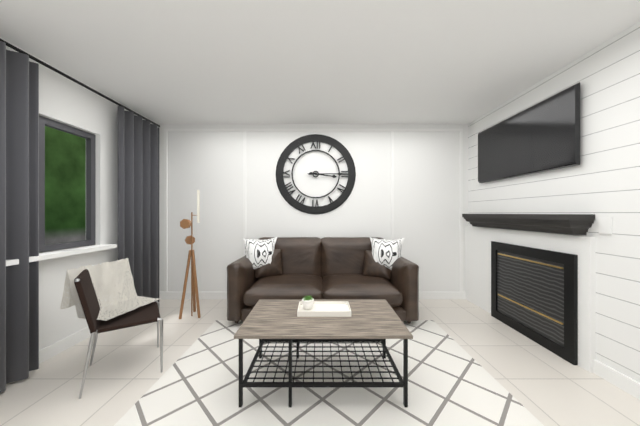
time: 3:15
